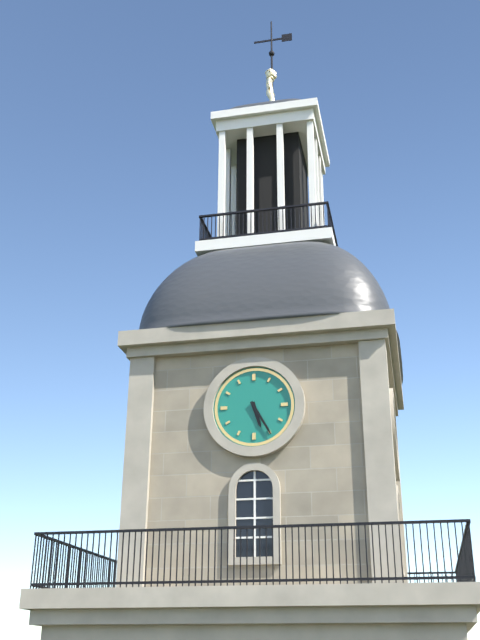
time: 5:25
